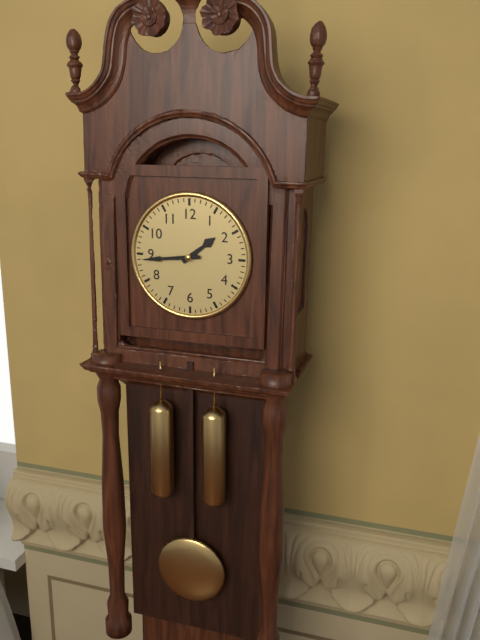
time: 1:44
